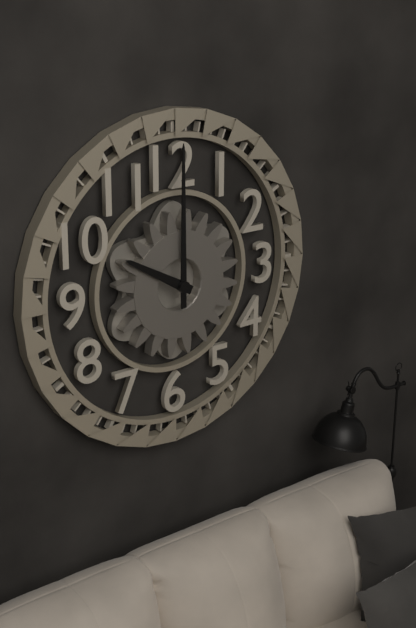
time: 10:00
